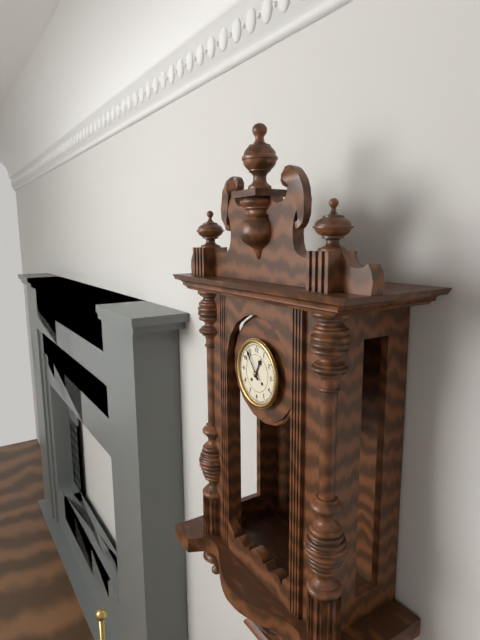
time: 12:54
